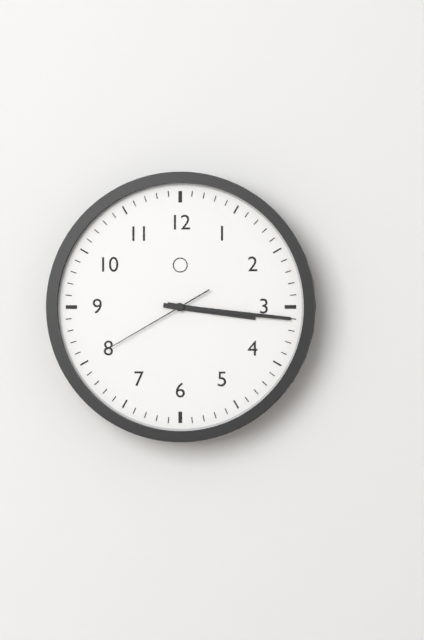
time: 3:16:40
